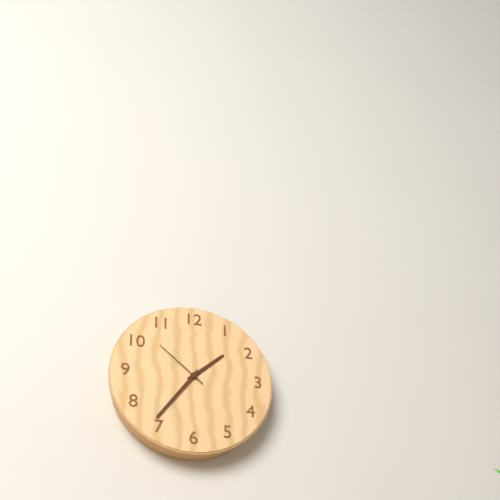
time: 1:36:52
